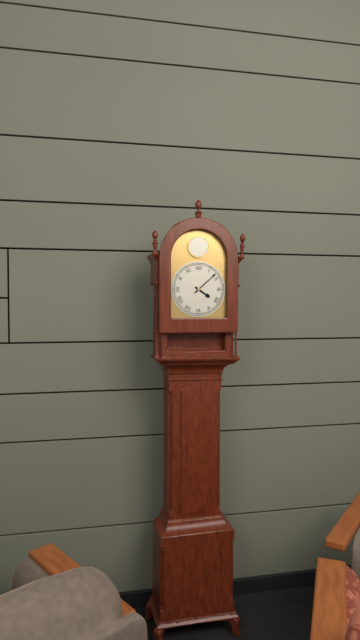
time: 4:08
